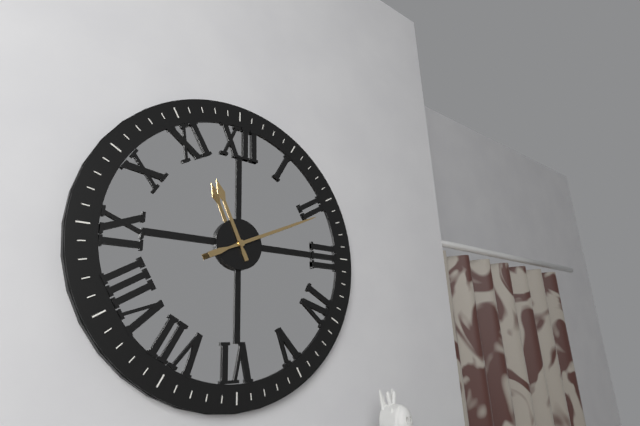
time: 11:11
